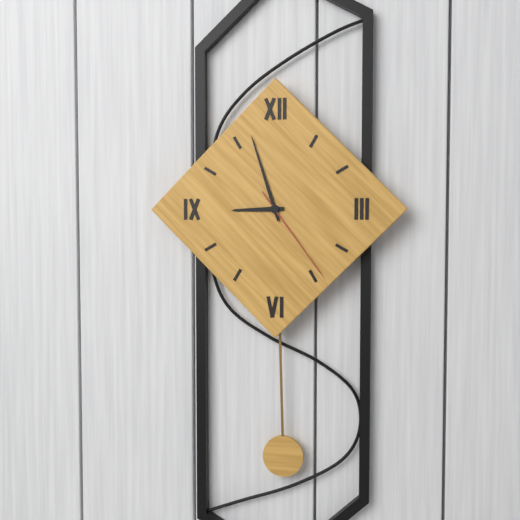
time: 8:57:24
